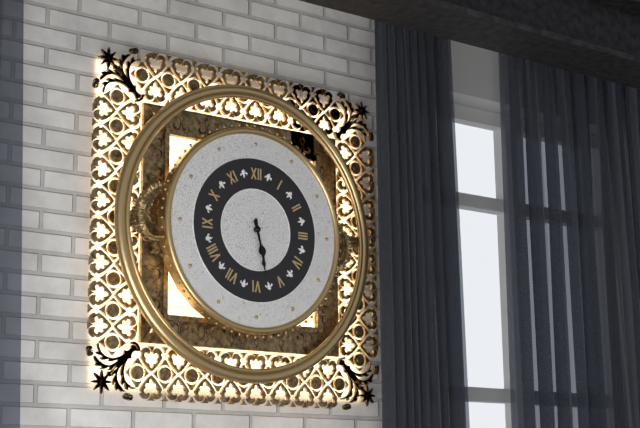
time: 5:28
